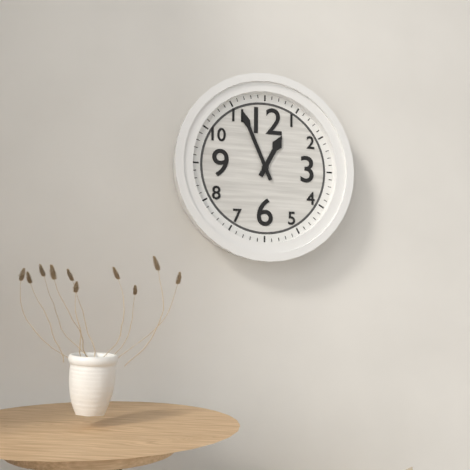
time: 12:56
